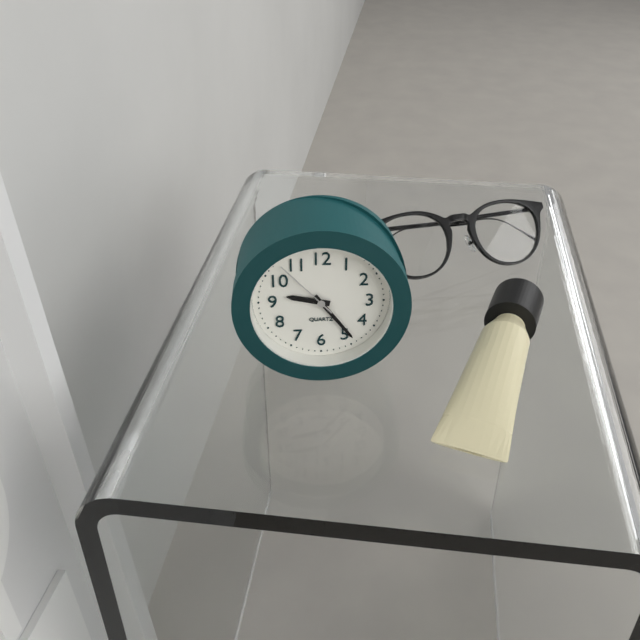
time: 9:24:53
